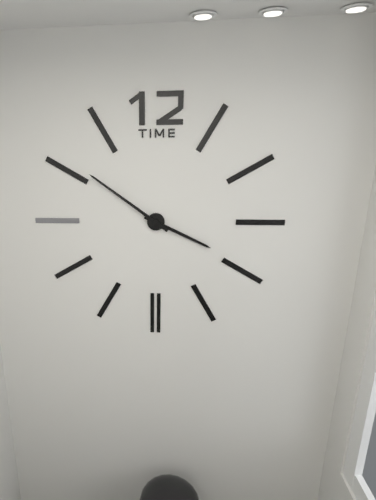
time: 3:51
